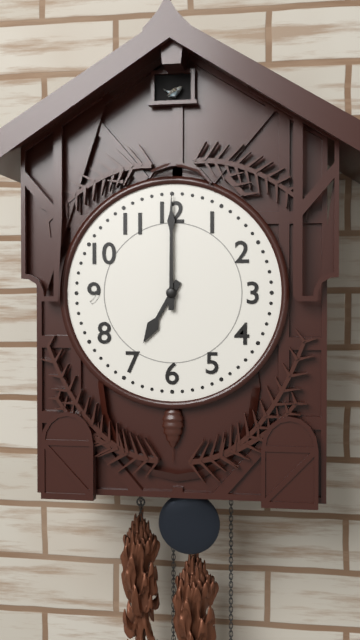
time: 7:00
